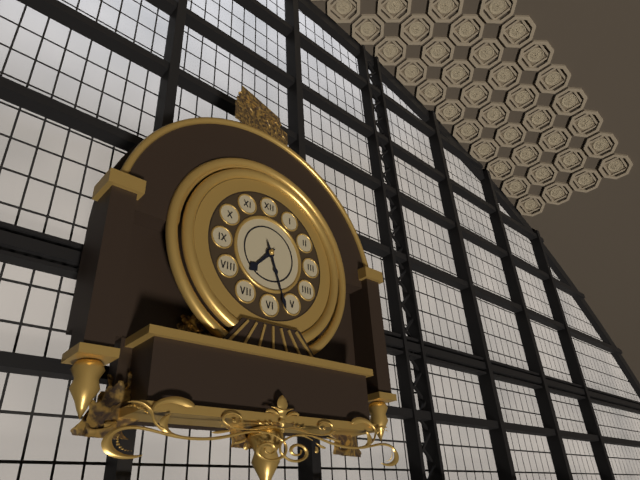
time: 7:27
